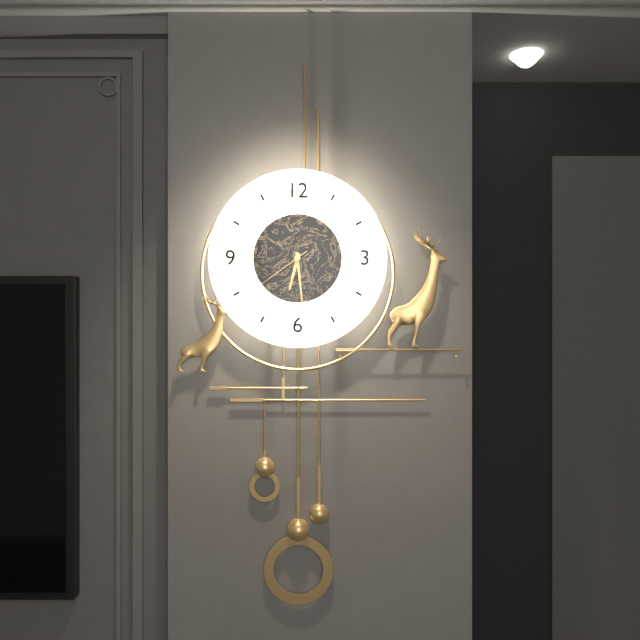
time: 6:29:39
